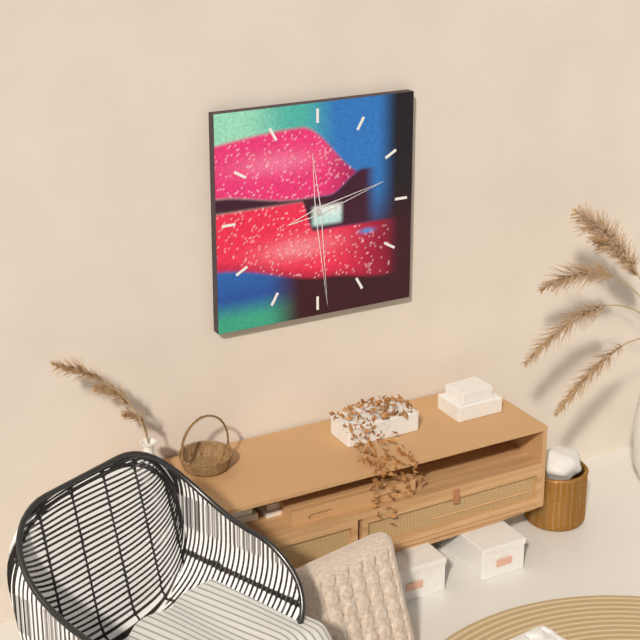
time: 2:29
